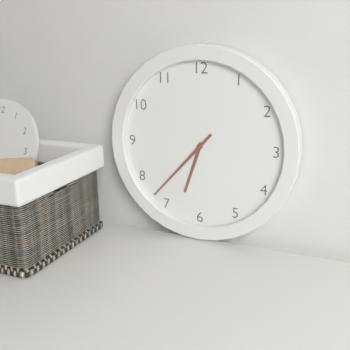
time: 6:37
